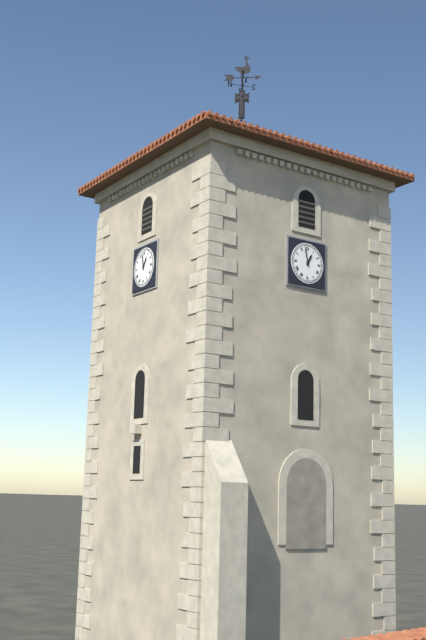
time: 12:58
